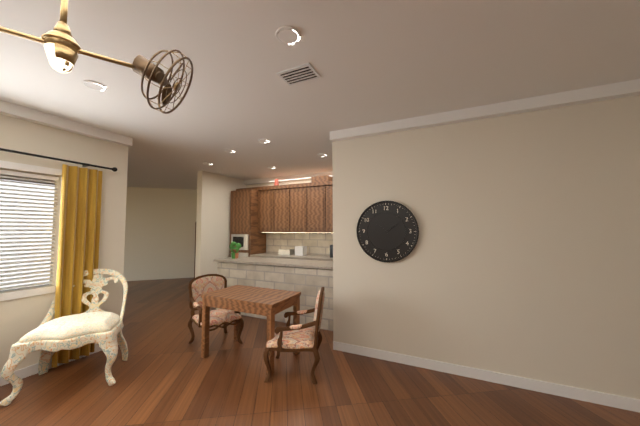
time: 10:09
